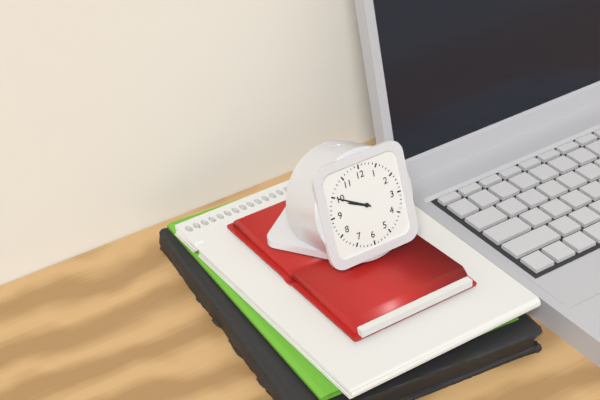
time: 9:50
